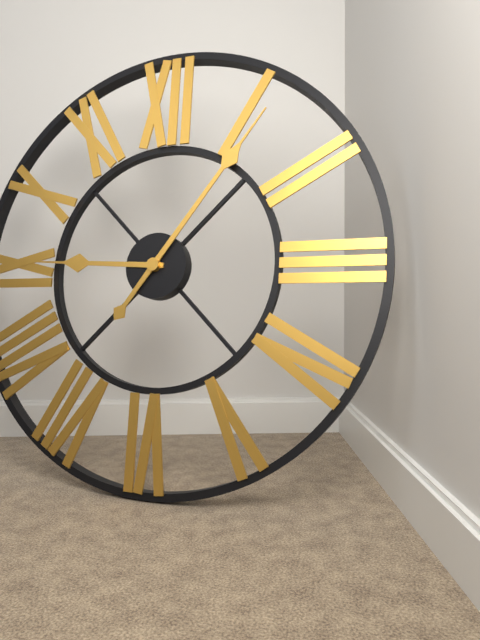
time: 9:06
